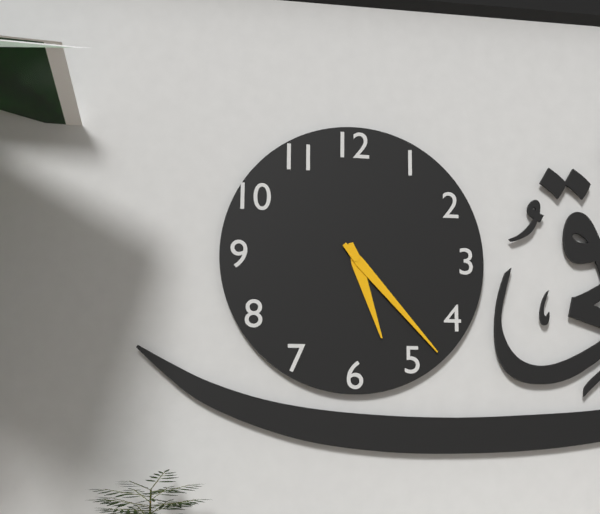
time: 5:23
